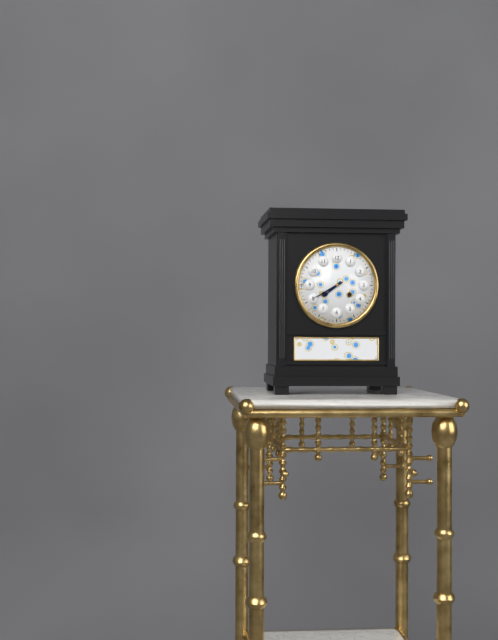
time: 7:40
